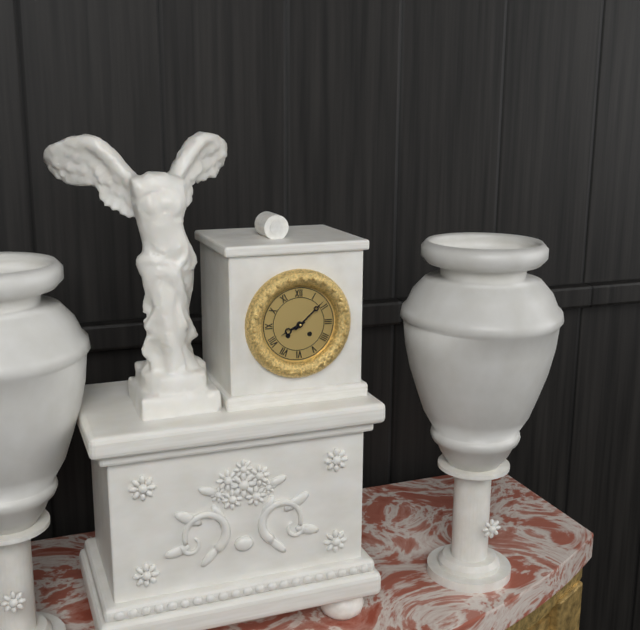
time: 8:08
